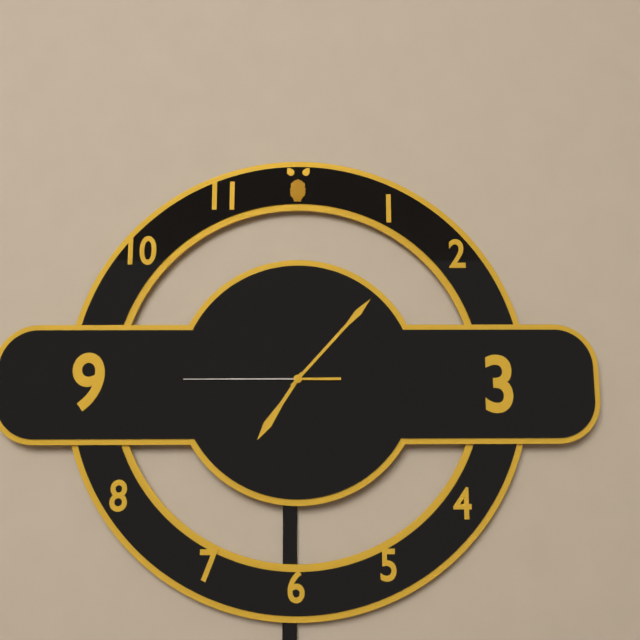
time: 7:07:45
